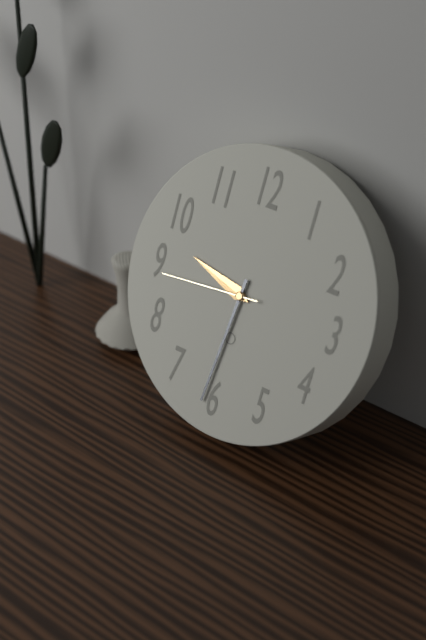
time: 9:31:44
